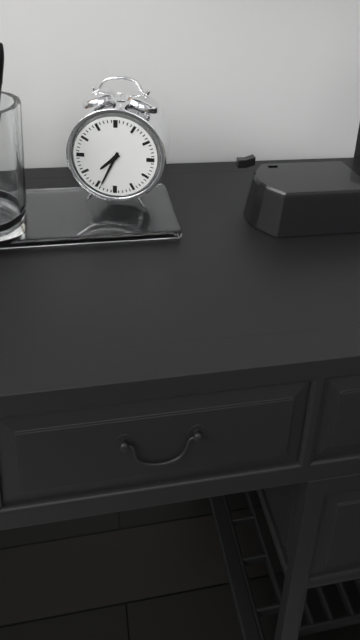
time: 7:34
